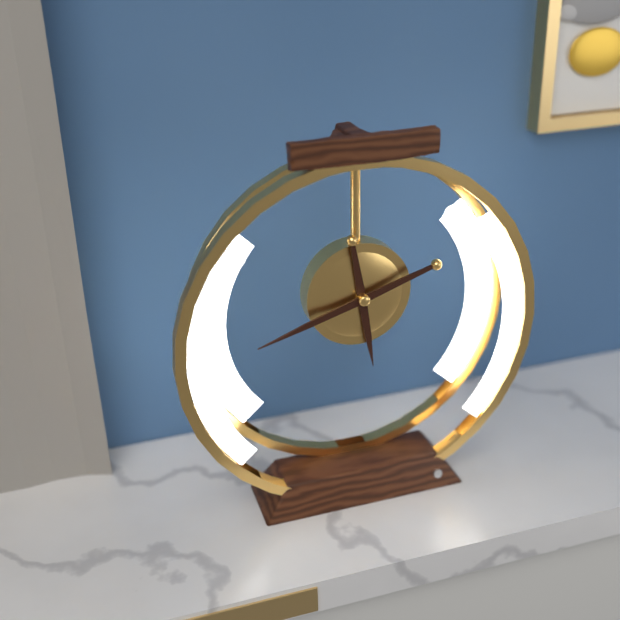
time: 5:42
